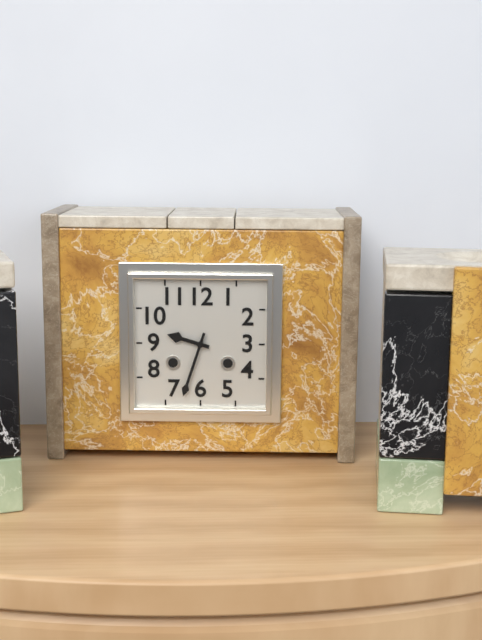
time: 9:33
